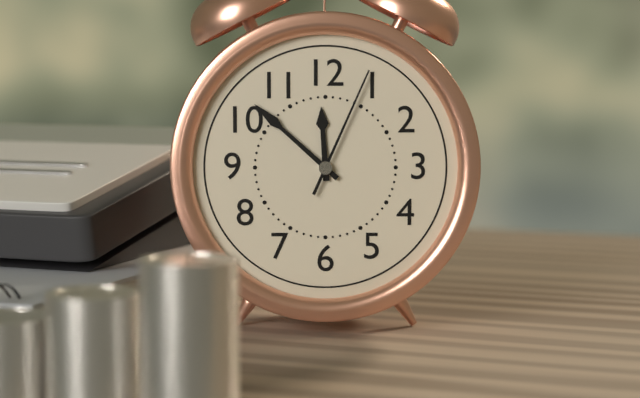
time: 11:52:04
